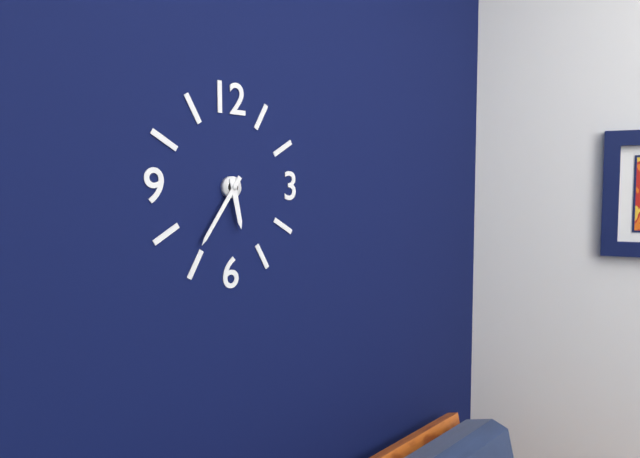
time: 5:36
